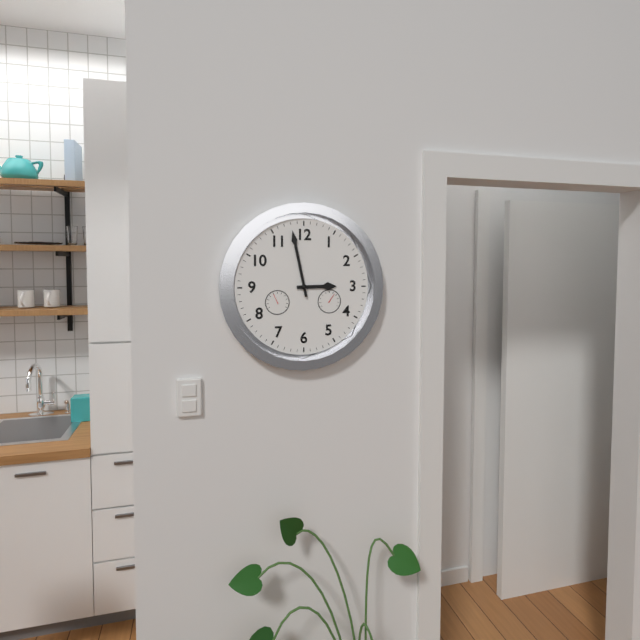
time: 2:58
